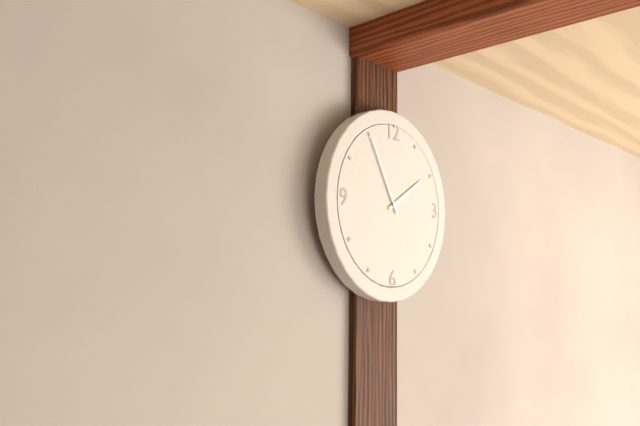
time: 1:55
